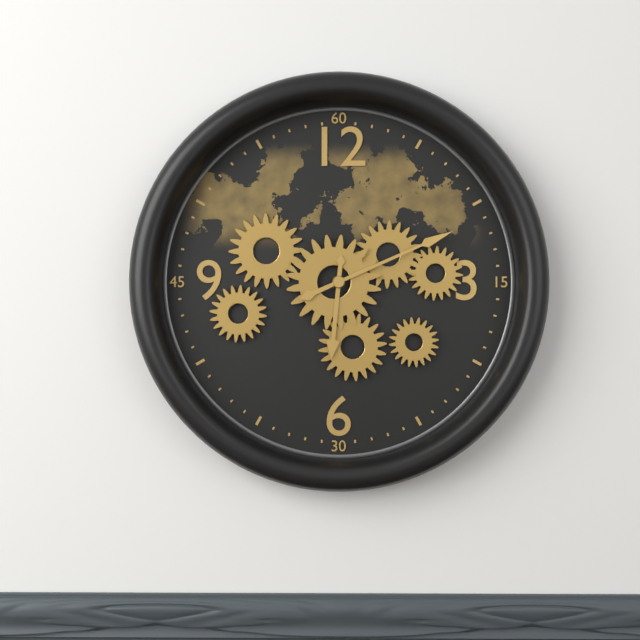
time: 6:11
